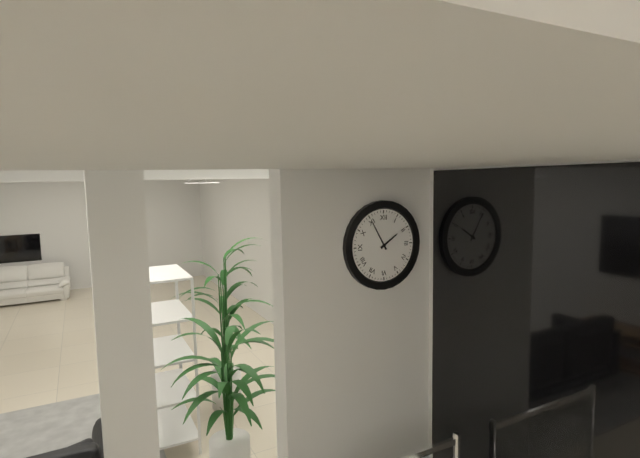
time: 1:55
